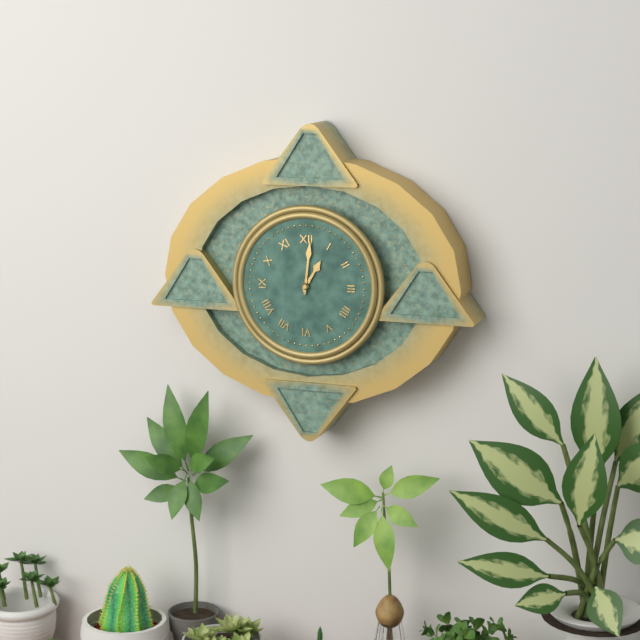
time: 1:01
